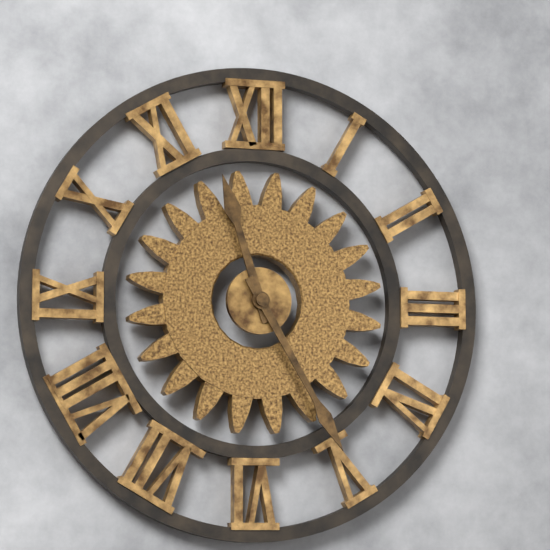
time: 11:25
